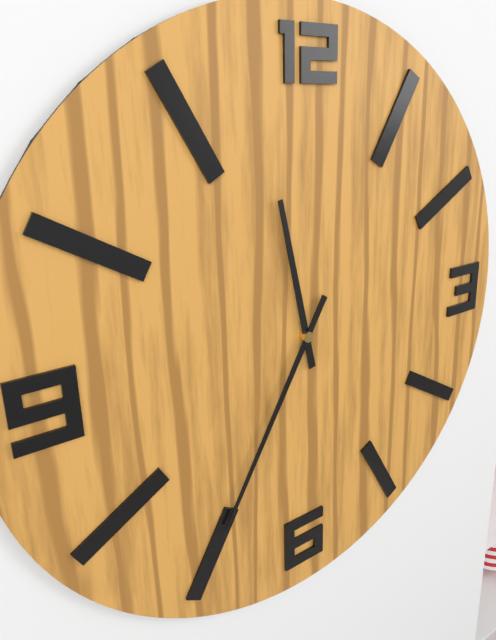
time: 11:35
